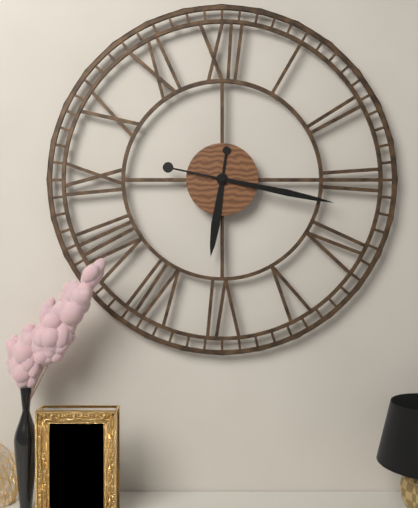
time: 6:17
